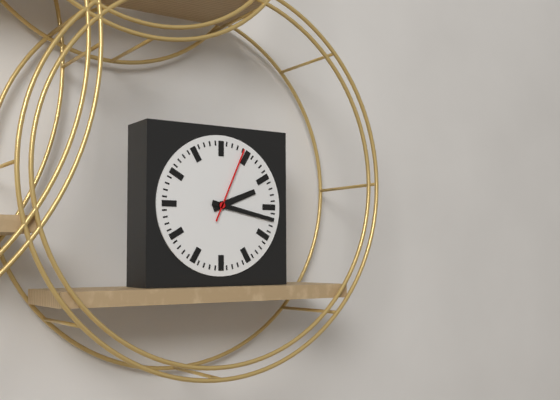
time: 2:17:04
